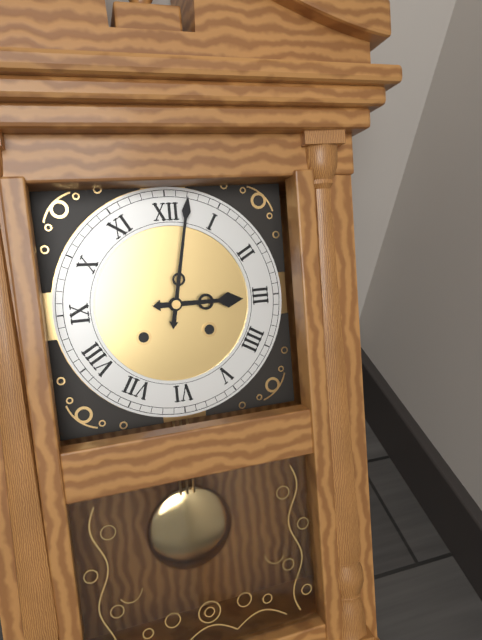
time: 3:02
